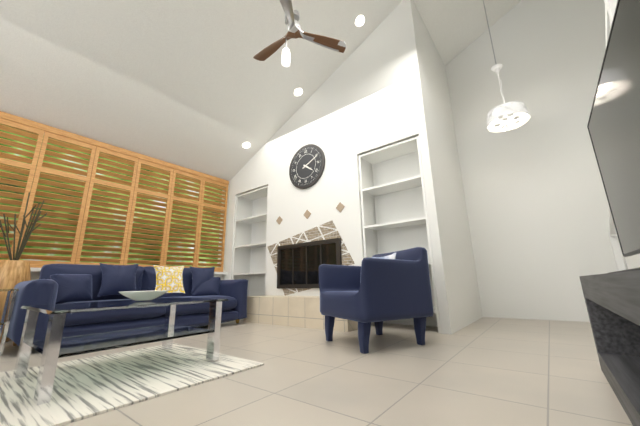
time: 4:11
